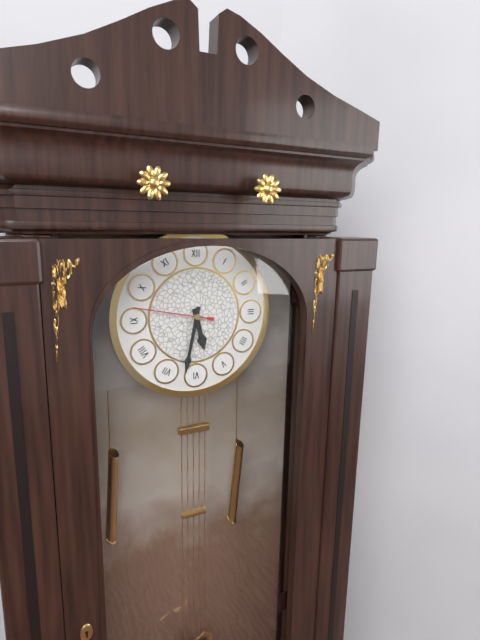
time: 5:32:47
